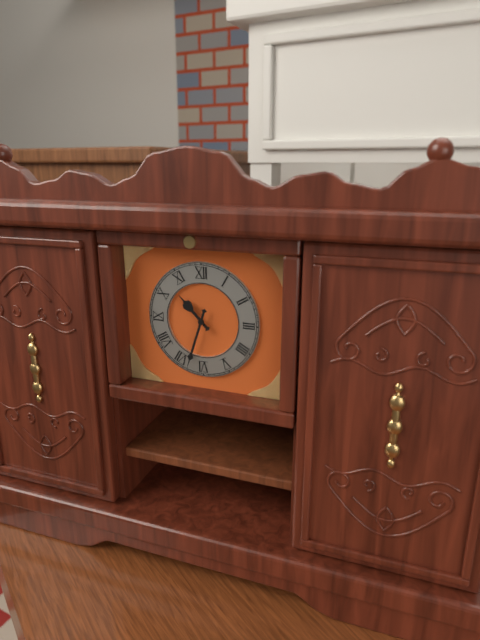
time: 10:33
